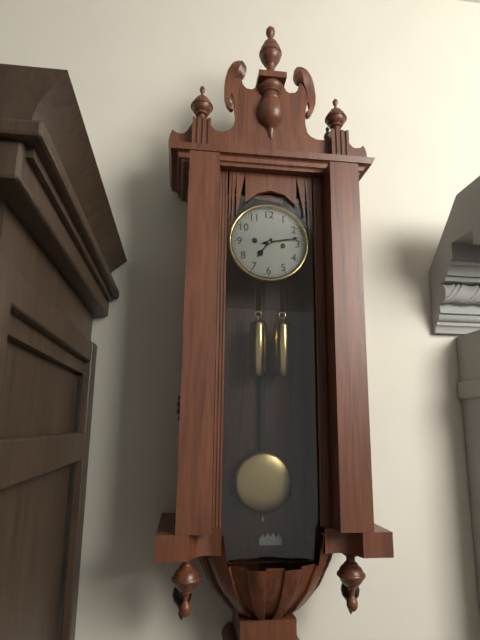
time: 7:13
